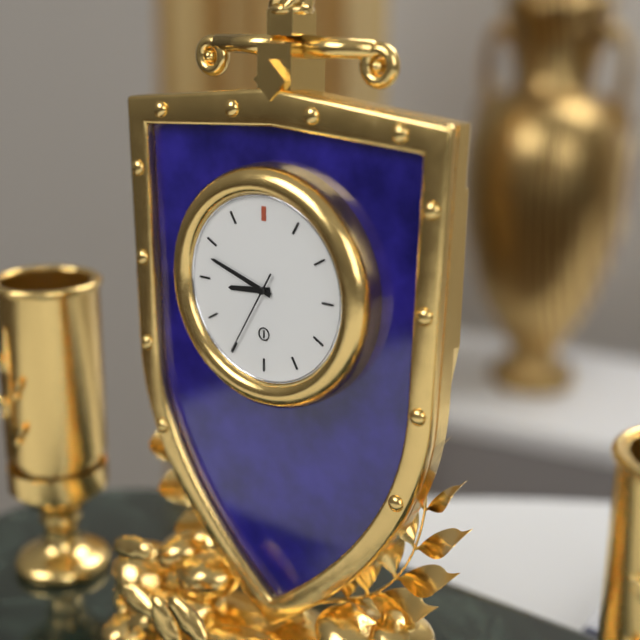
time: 8:48:35
